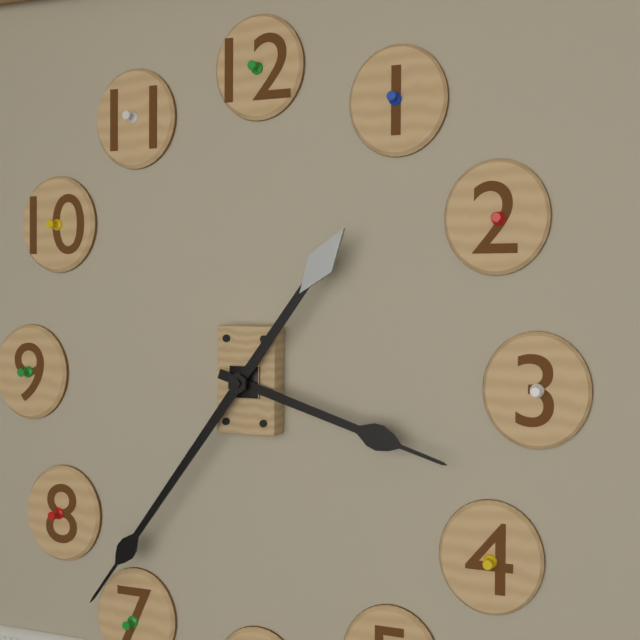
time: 3:36
